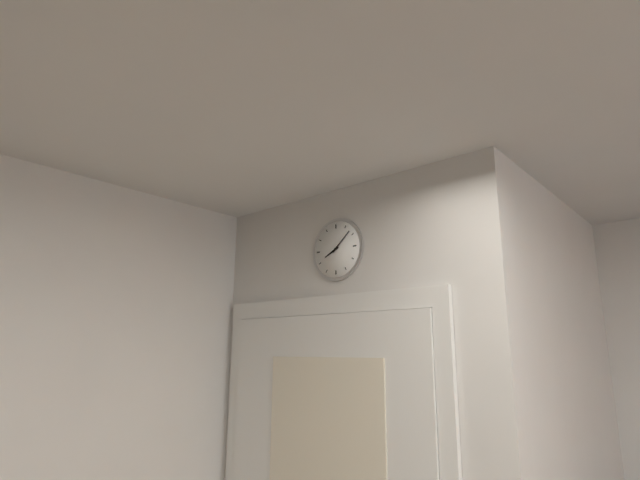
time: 8:08
